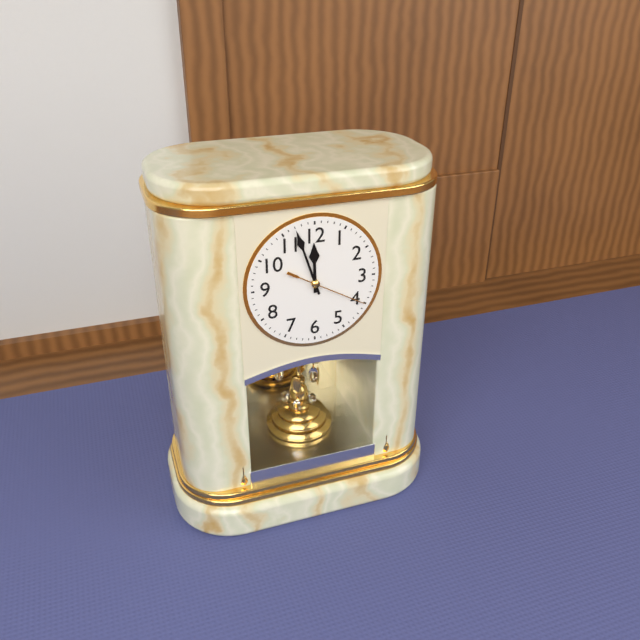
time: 11:57:20
